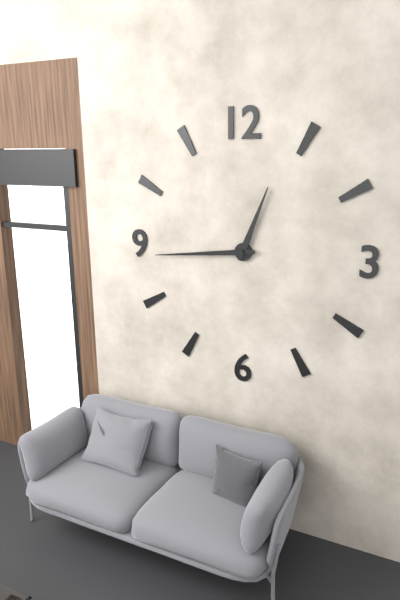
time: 12:44
